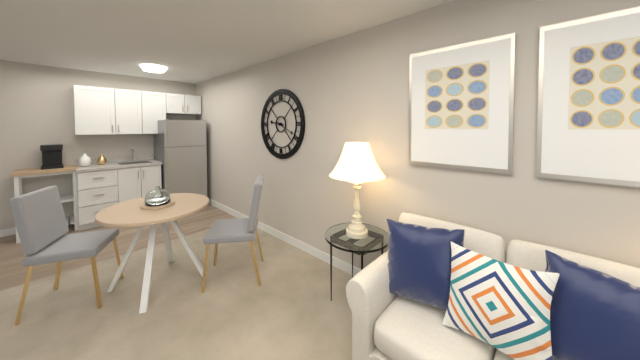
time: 9:19
